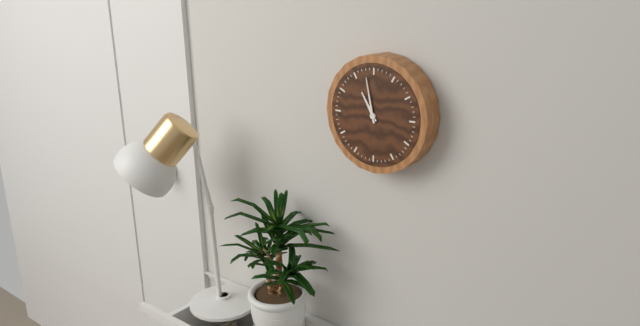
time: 10:58
